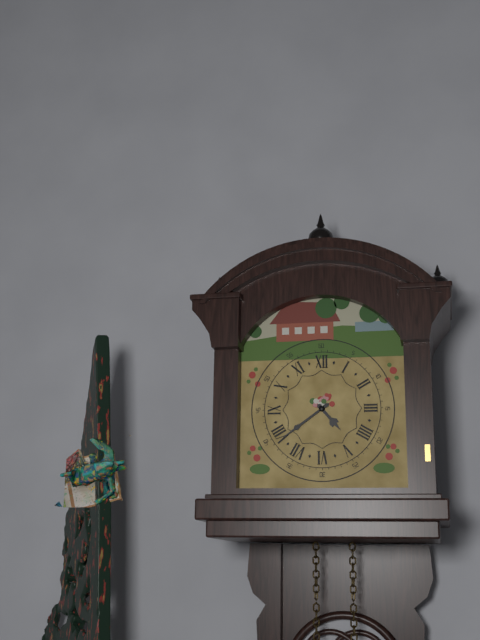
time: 4:39
